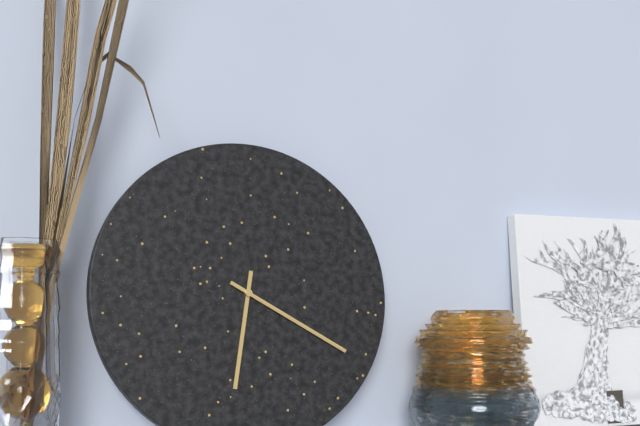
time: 6:20
